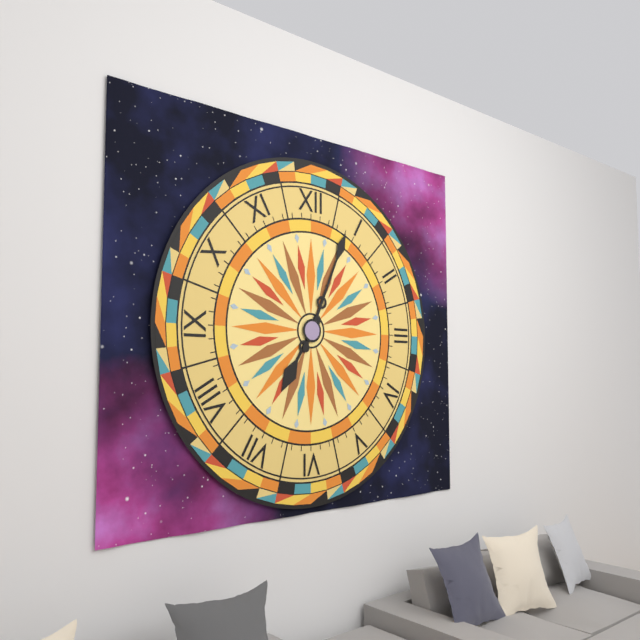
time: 7:04
